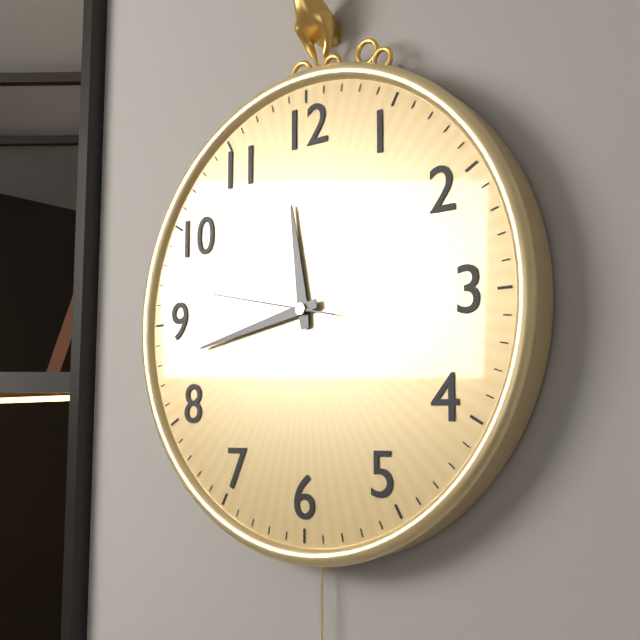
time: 11:43:47
